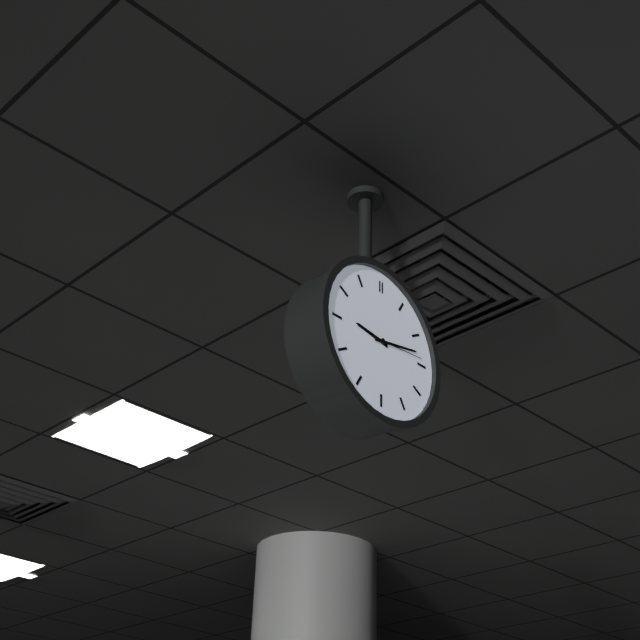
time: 9:13:14
